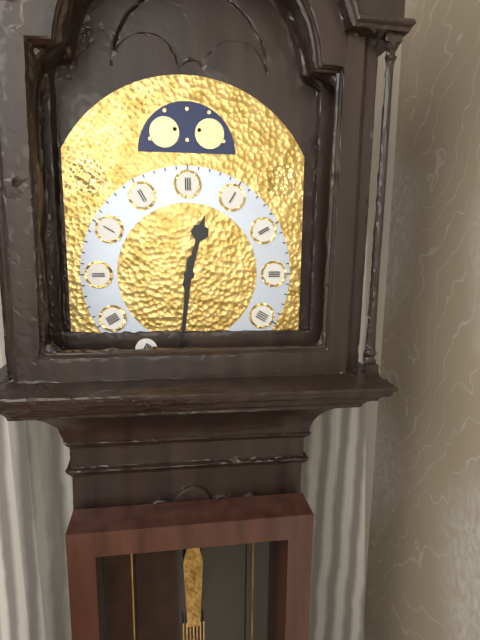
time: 12:31
